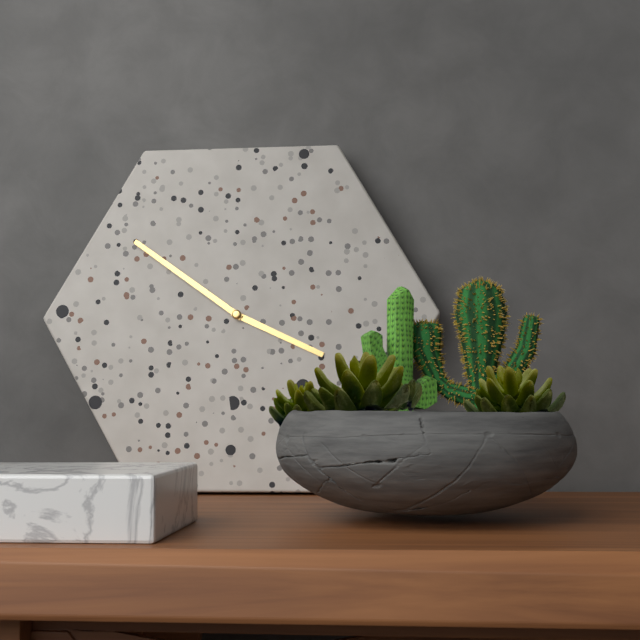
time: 3:51
